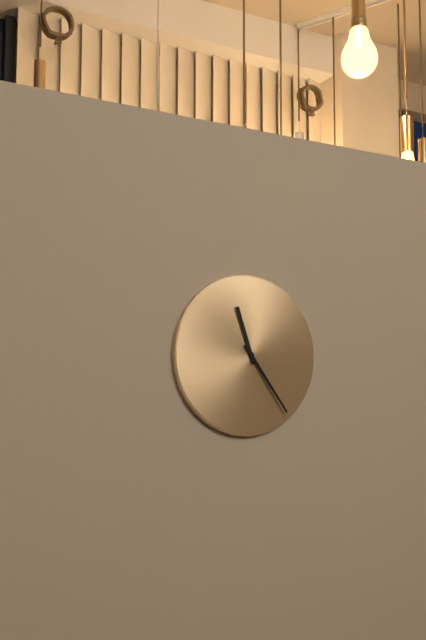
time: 11:24
